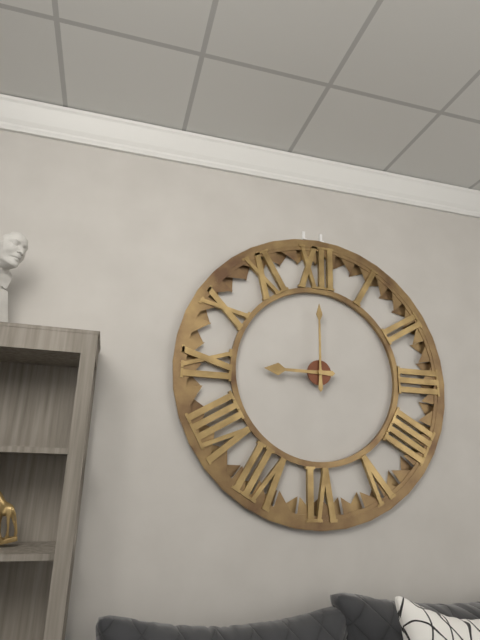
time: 9:00
